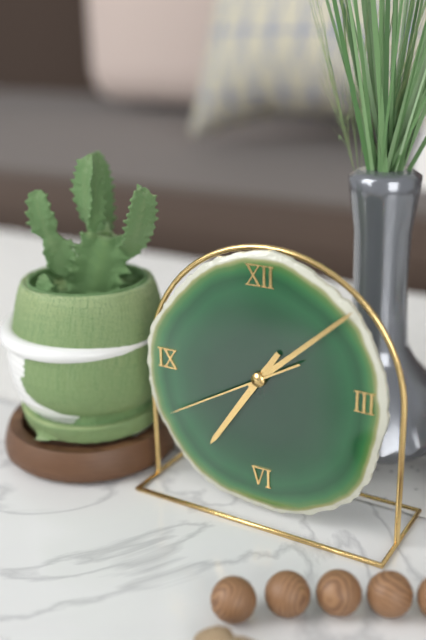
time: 7:08:40
